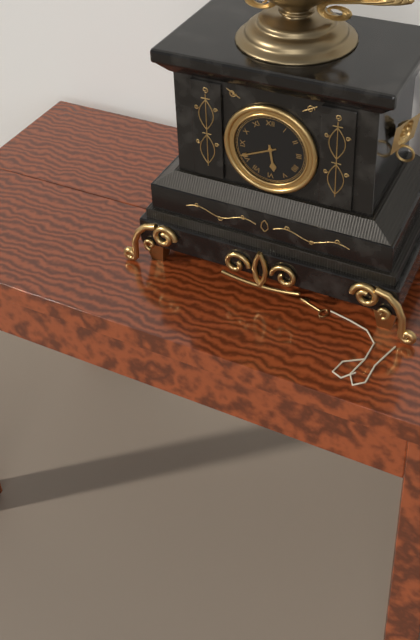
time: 5:41
